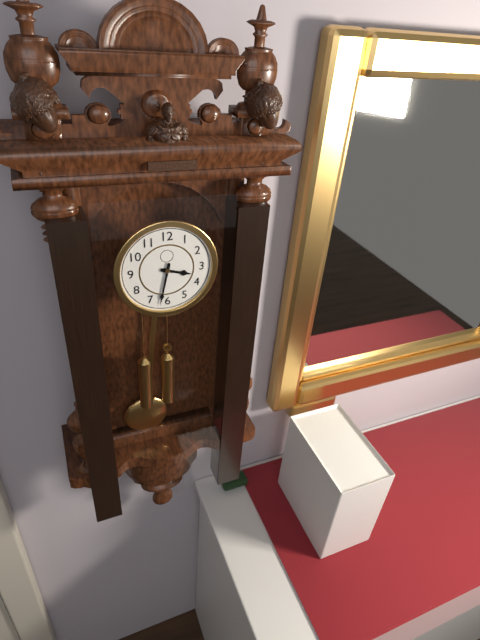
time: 3:32
